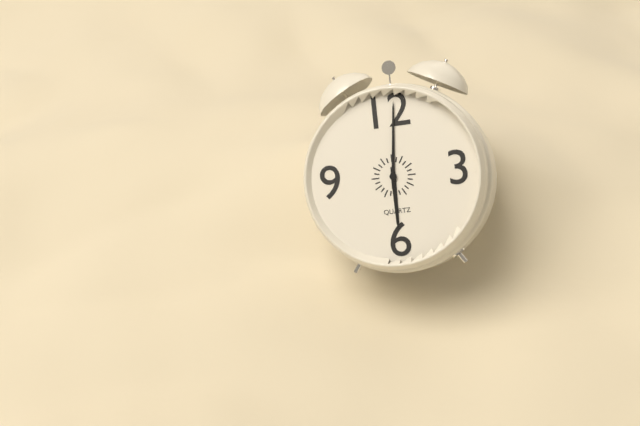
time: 6:01
